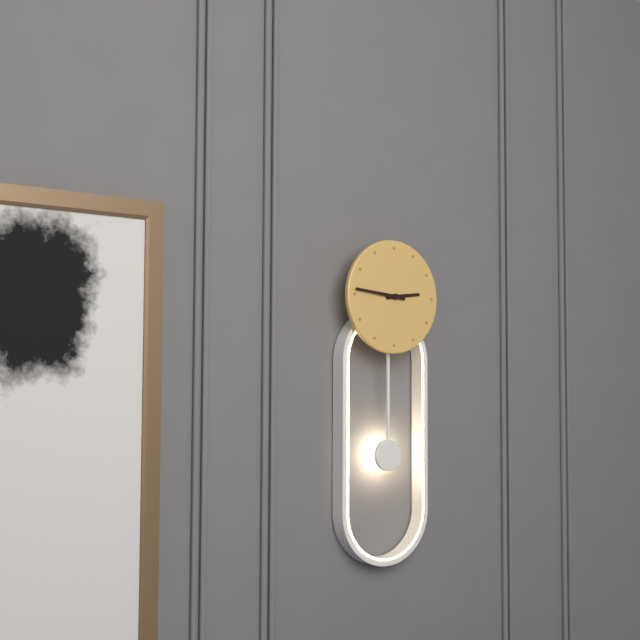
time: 2:46
